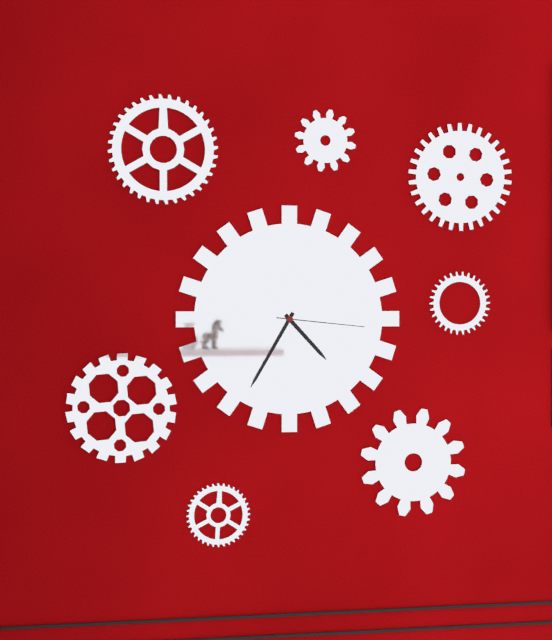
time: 4:35:16
